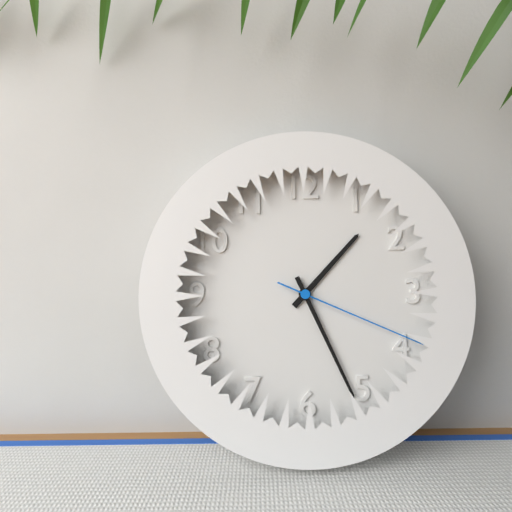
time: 1:26:19
